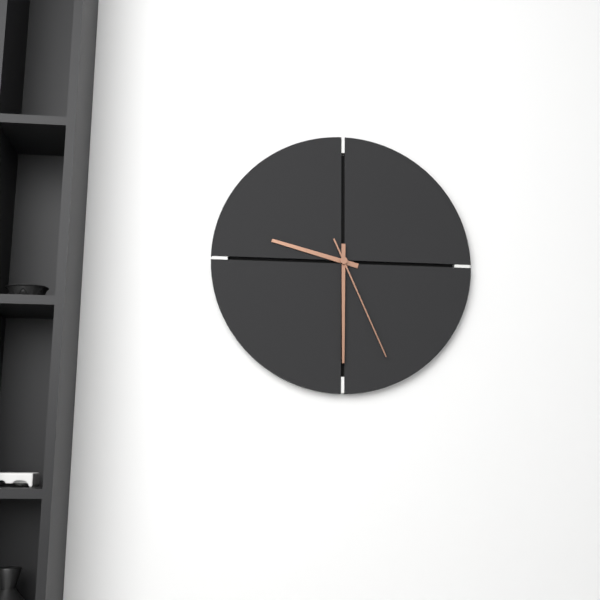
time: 9:30:26
